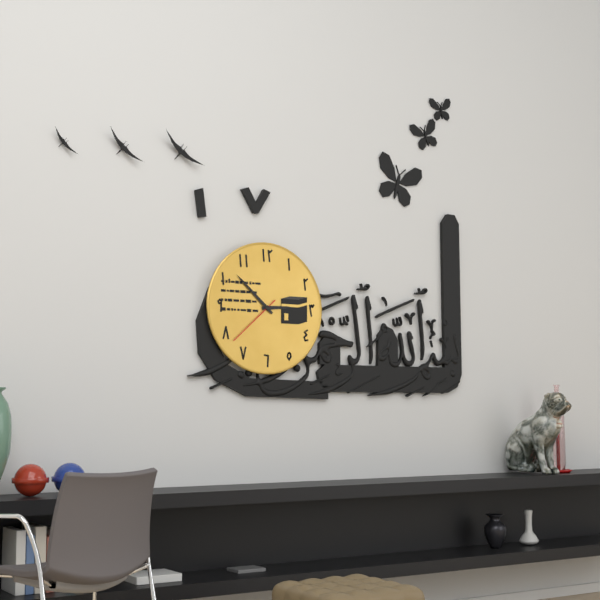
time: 2:52:38
